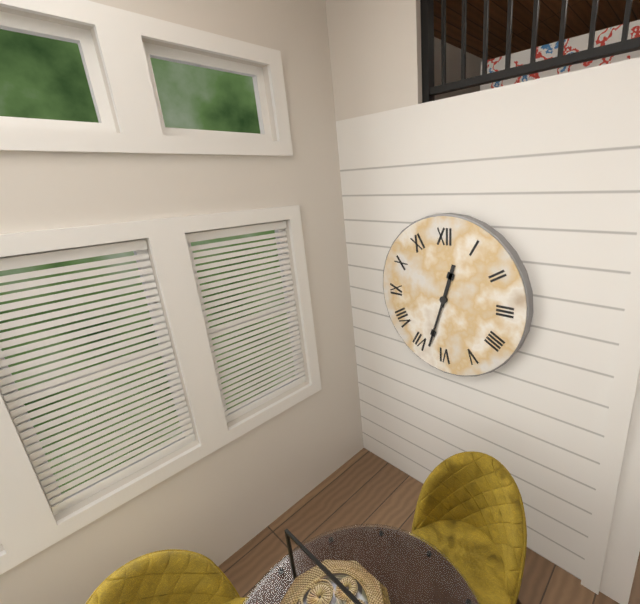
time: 12:33
